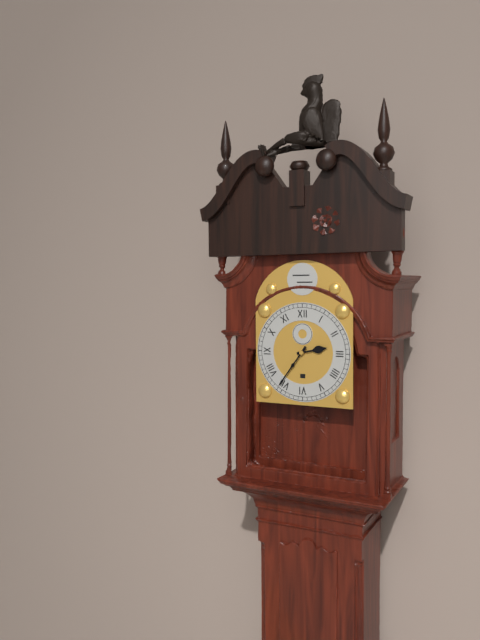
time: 2:36
